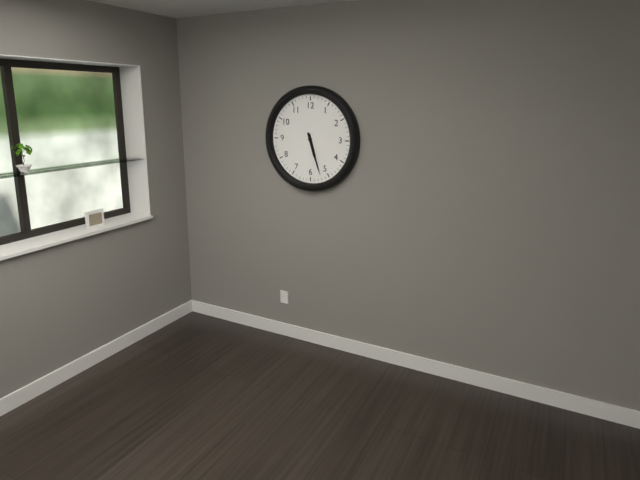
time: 5:27
